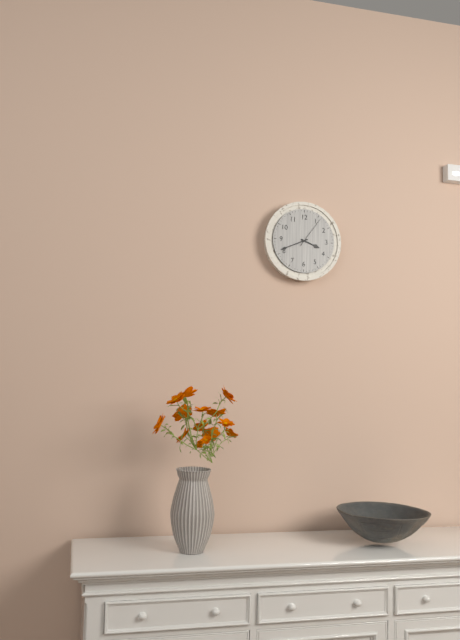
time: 3:41
